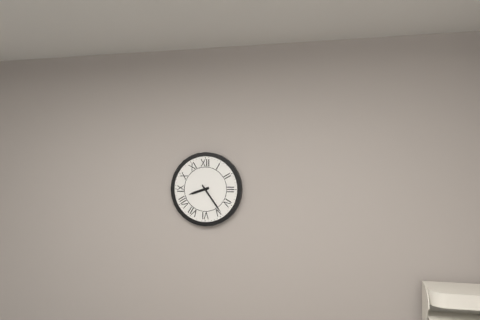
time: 8:24
